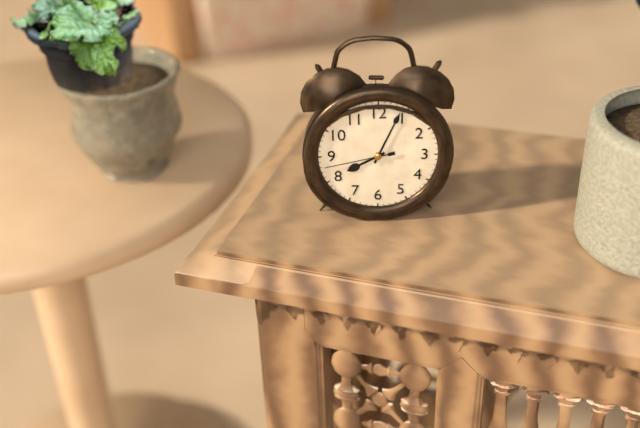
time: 8:04:43
